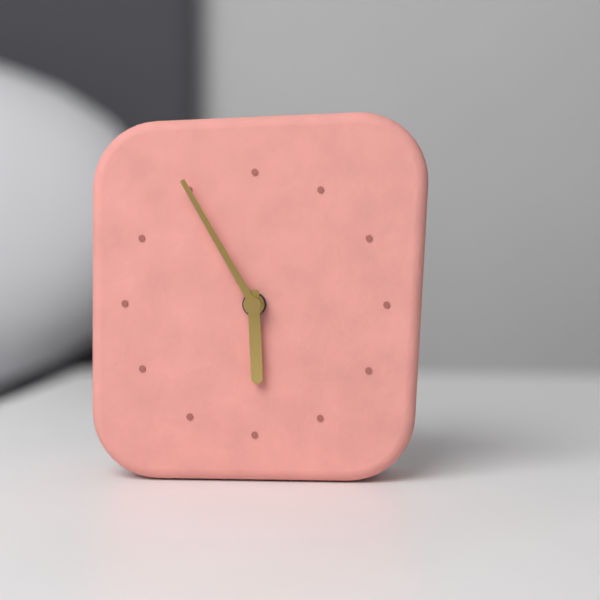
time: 5:55
